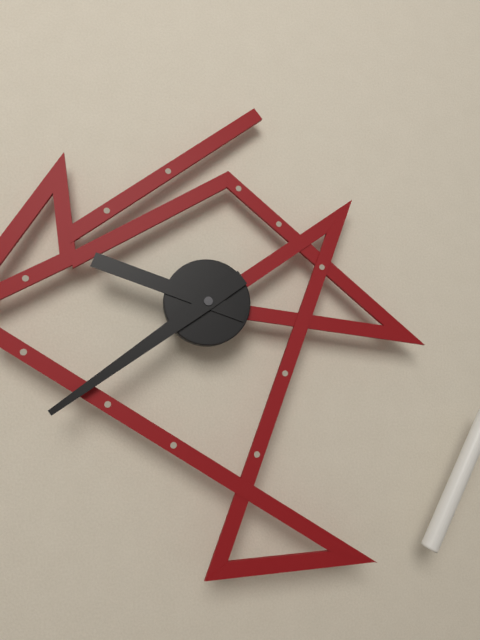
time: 9:39
